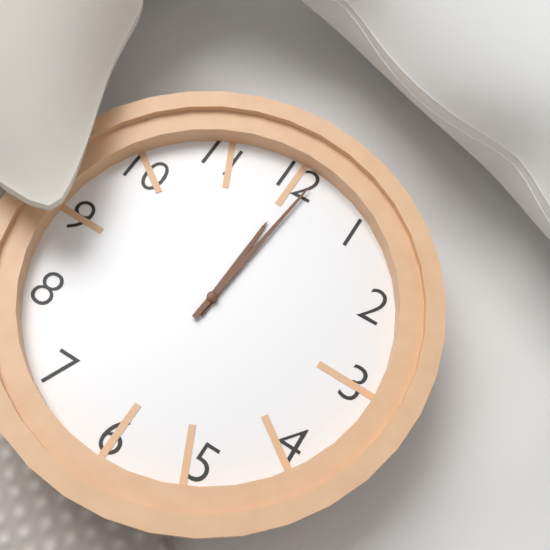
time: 12:01
